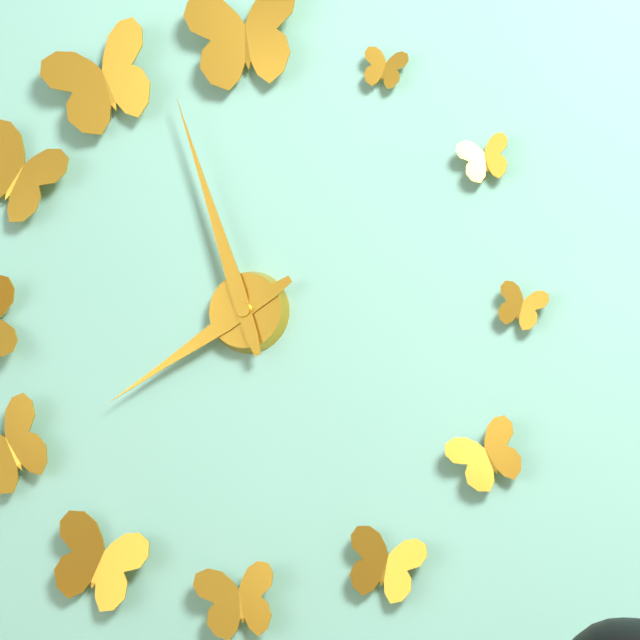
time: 7:57
